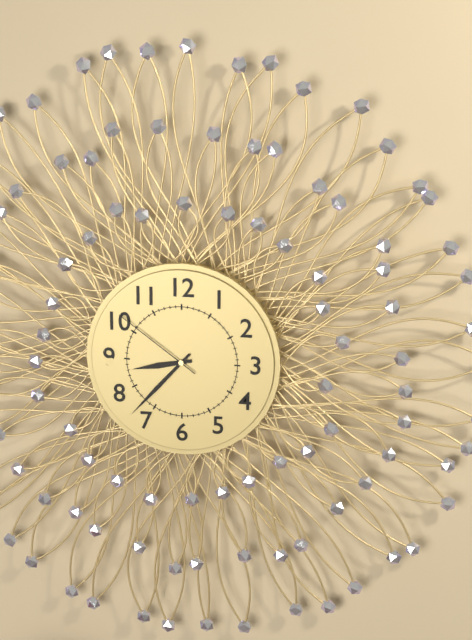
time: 8:37:51
